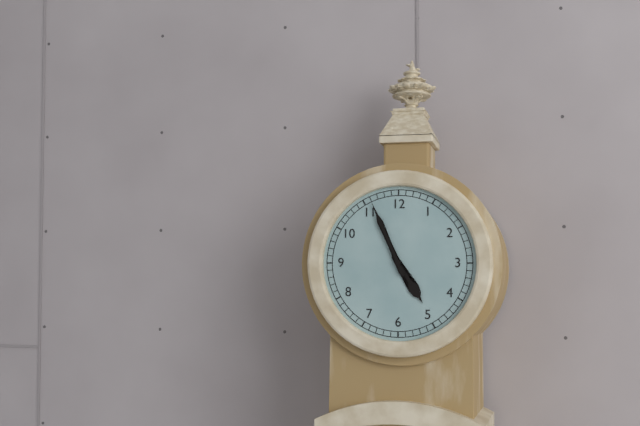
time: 4:56
